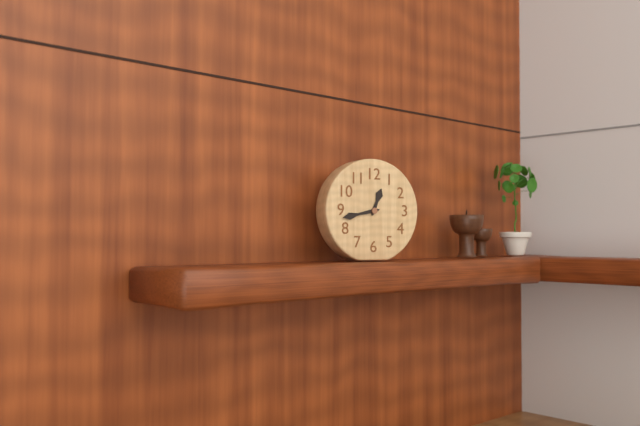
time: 12:43
